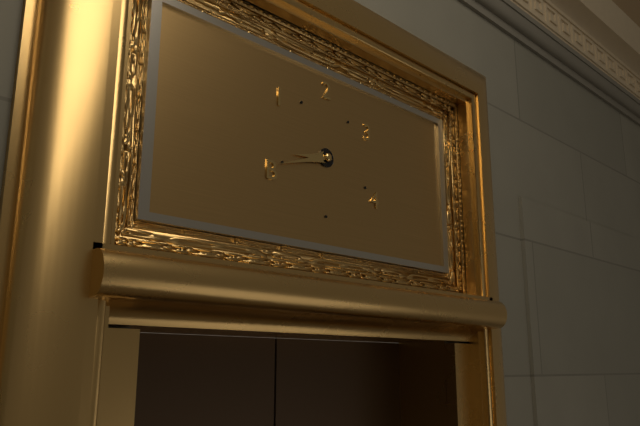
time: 8:42
